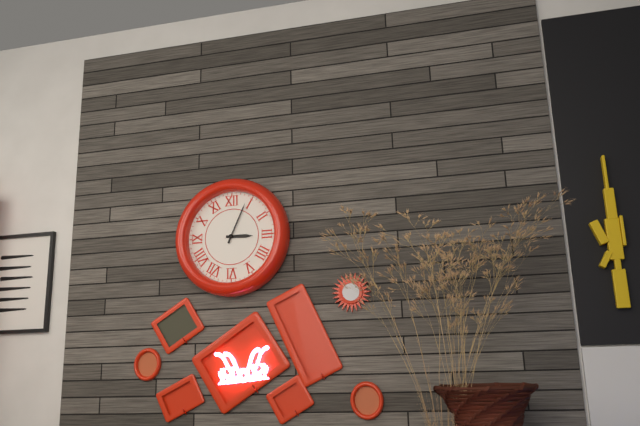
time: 3:04
